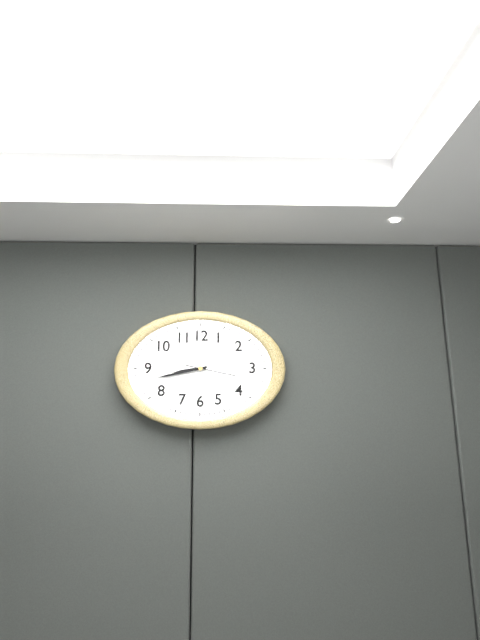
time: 8:43
